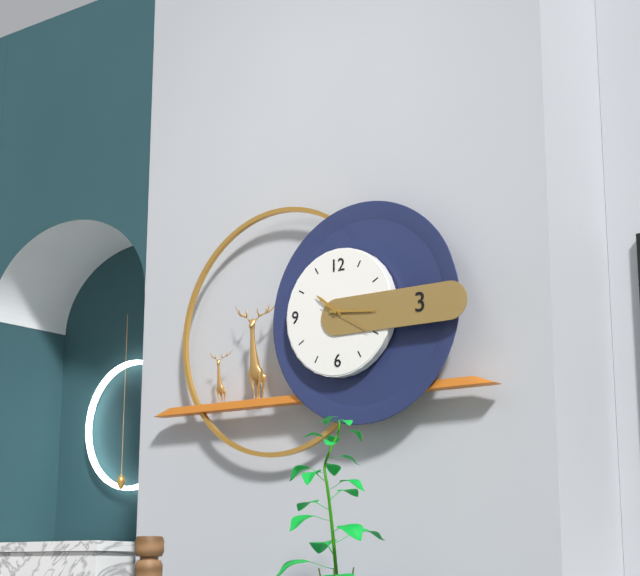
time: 10:16
